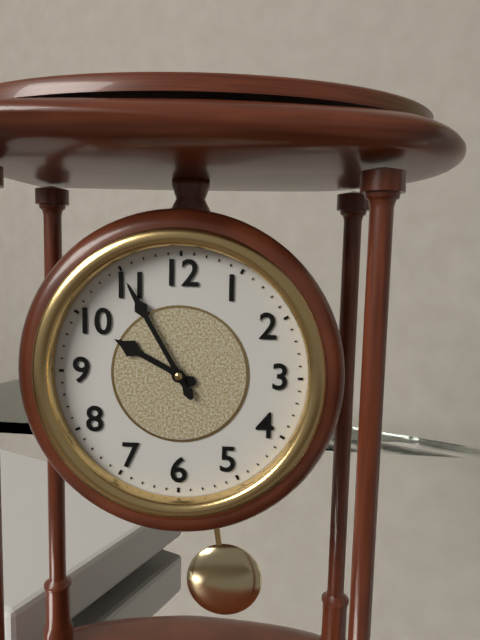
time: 9:55
